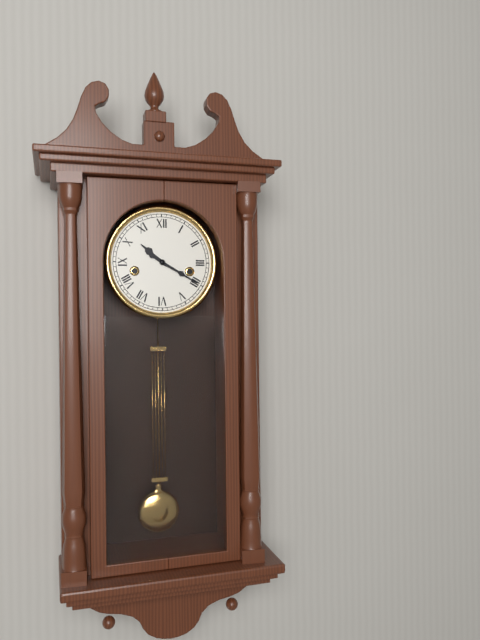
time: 10:20
